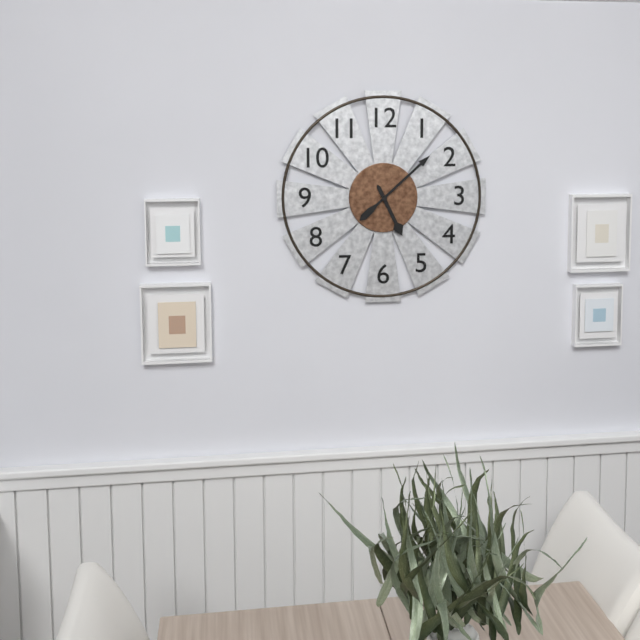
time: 5:08
